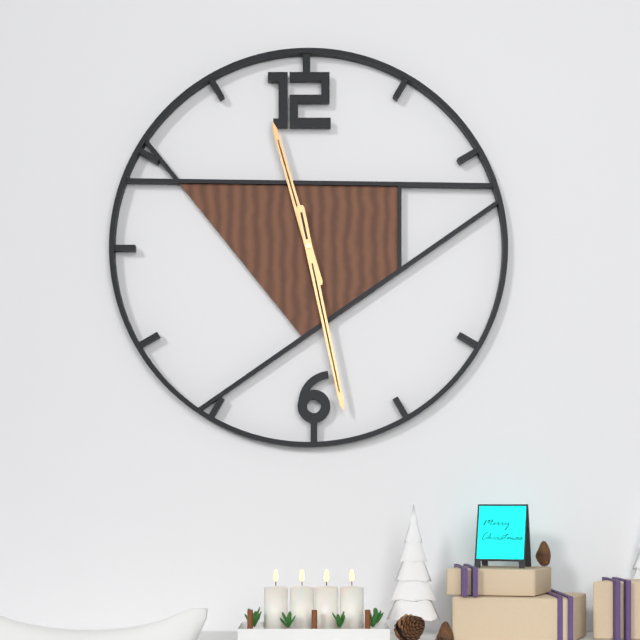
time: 11:28
